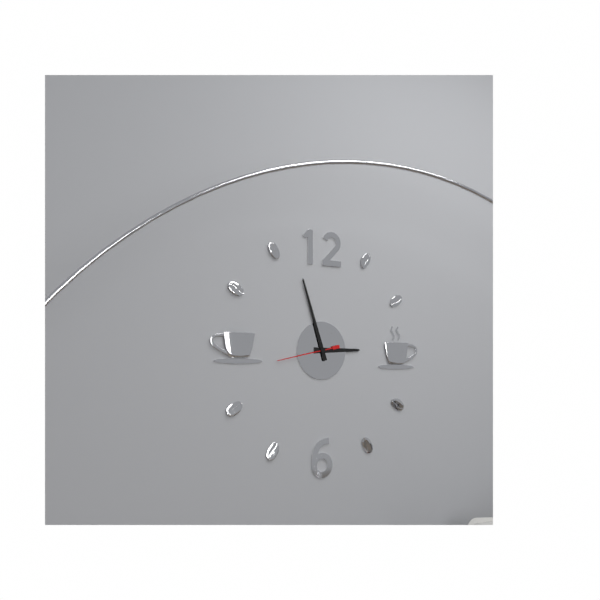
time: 2:57:43
